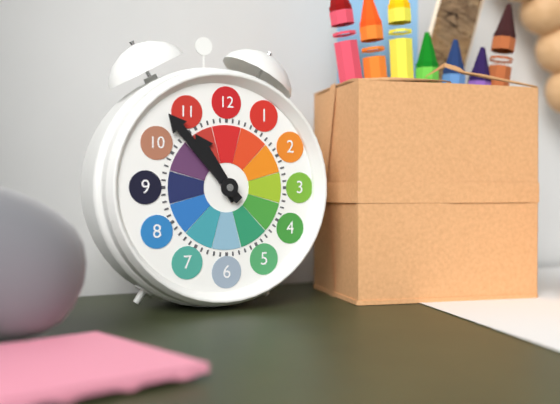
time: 10:53
